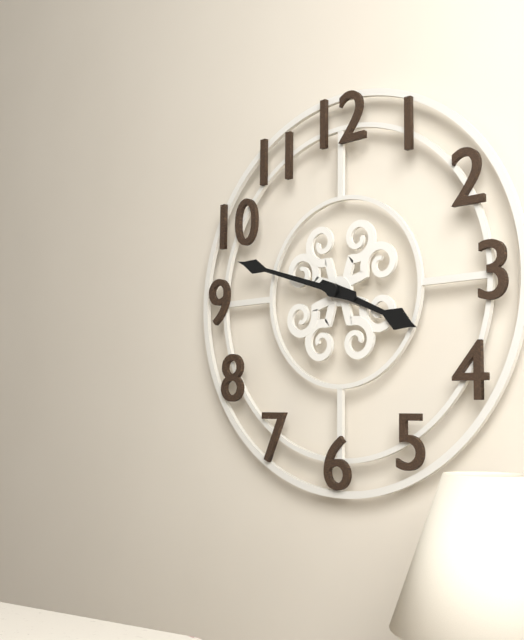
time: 3:48
